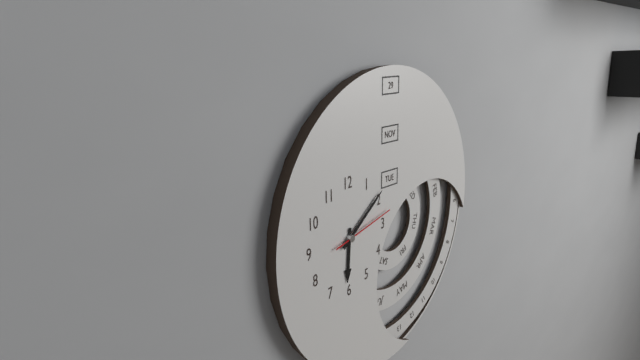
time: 6:09:13
